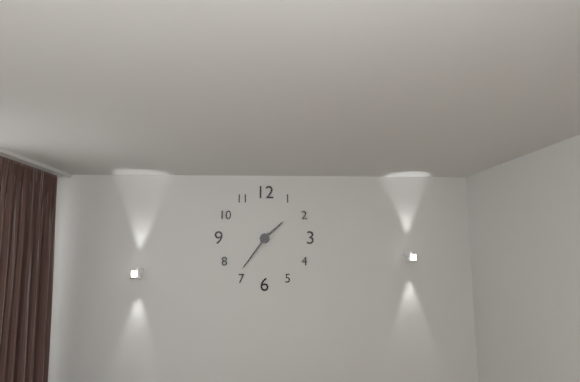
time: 1:36
